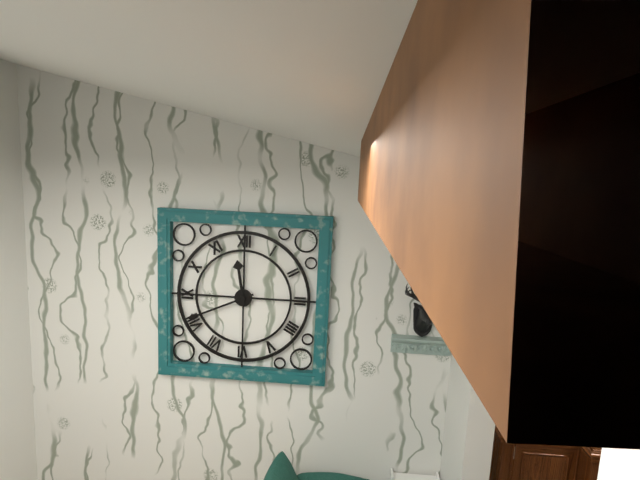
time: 11:41
